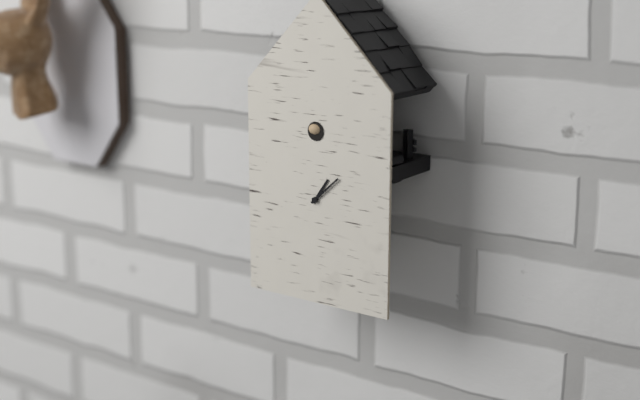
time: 1:08
